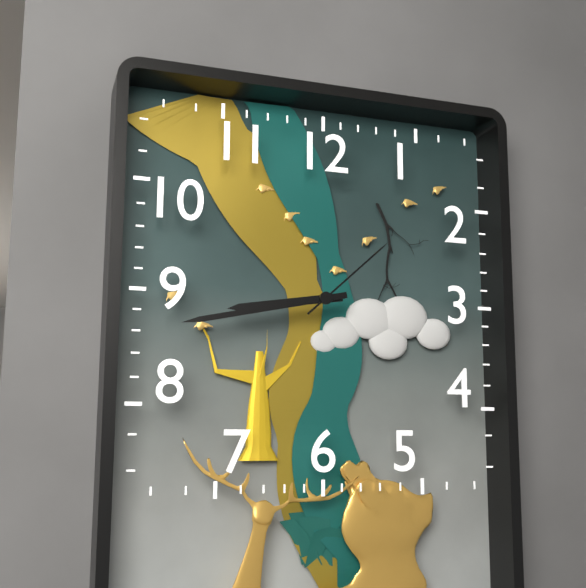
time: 8:43:08
